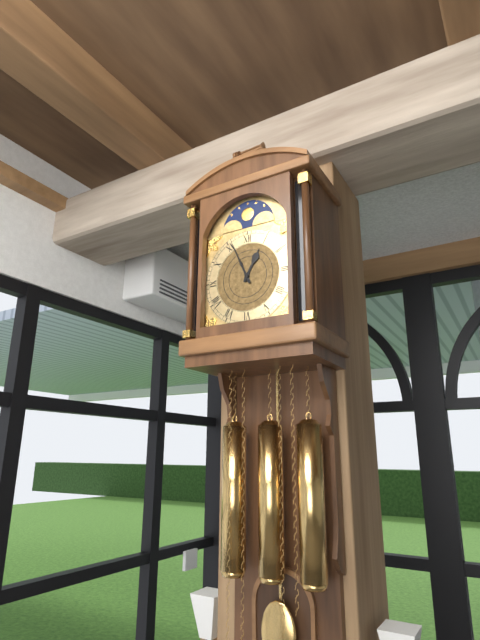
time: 12:56
